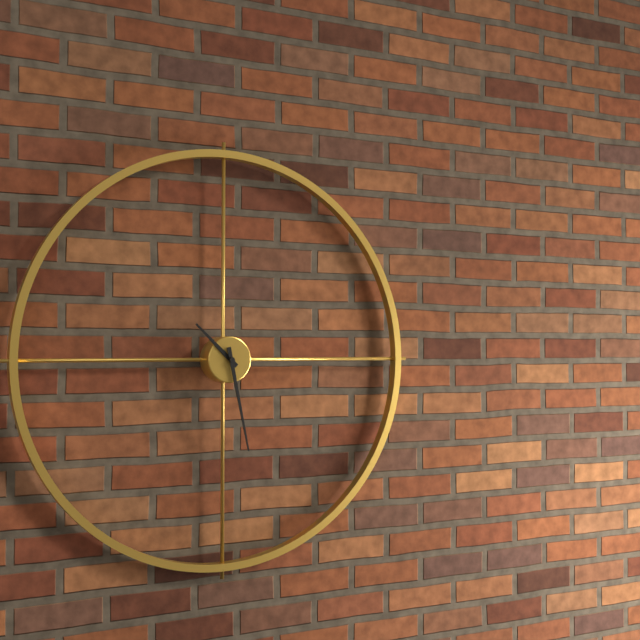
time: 10:28
